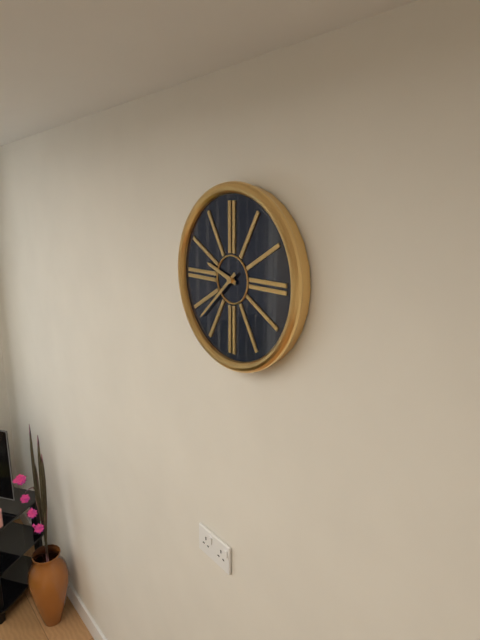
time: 9:38
